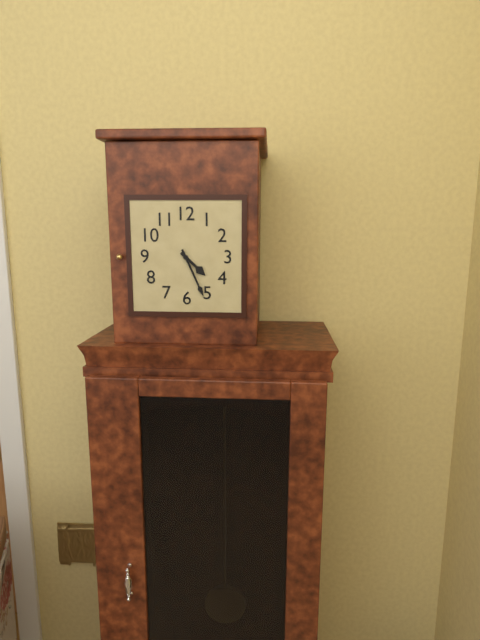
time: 4:26
